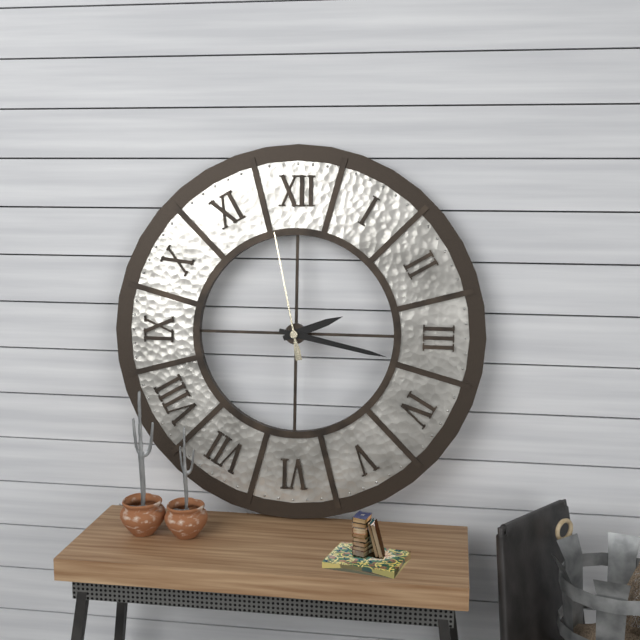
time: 2:17:58
